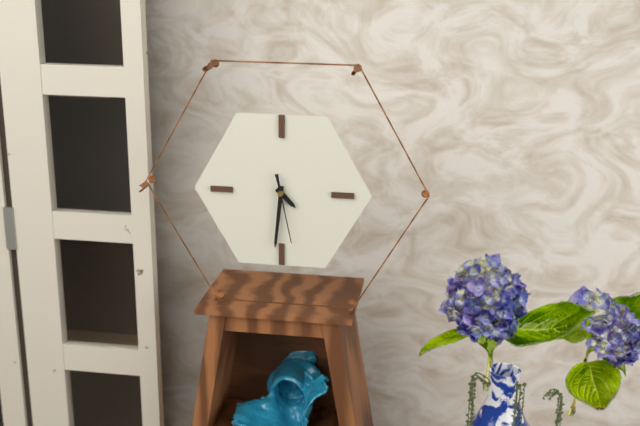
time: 4:31:28
